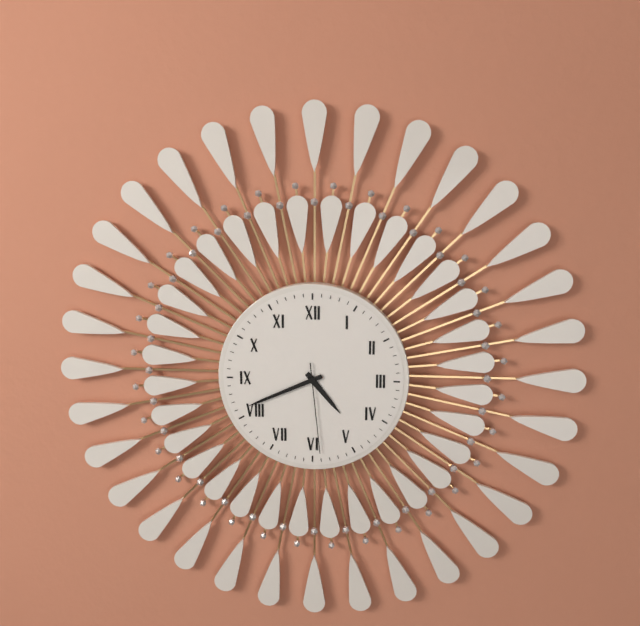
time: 4:41:29
